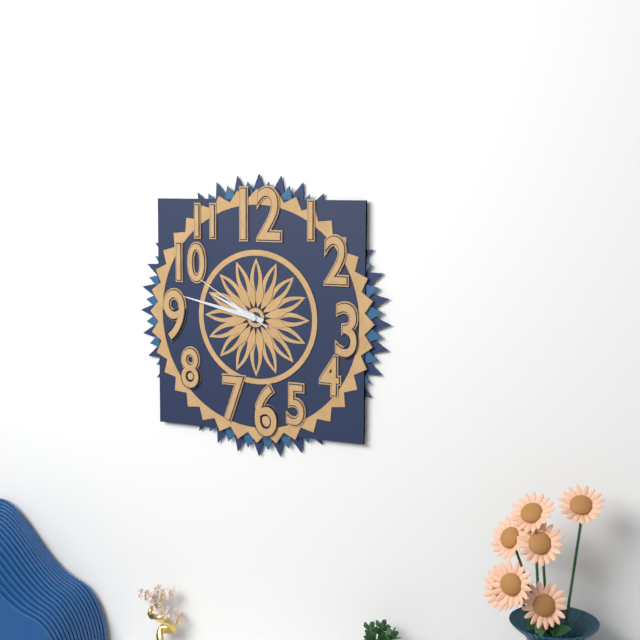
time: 9:47:50
